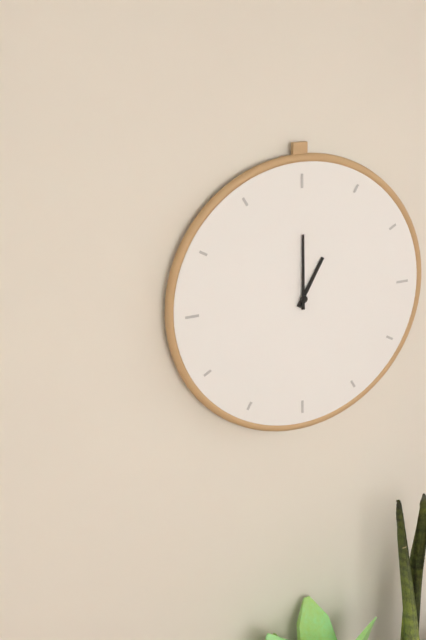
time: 1:00
